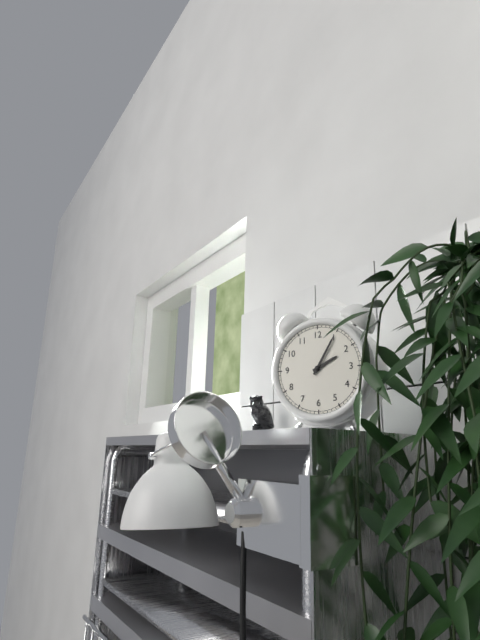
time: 2:05
